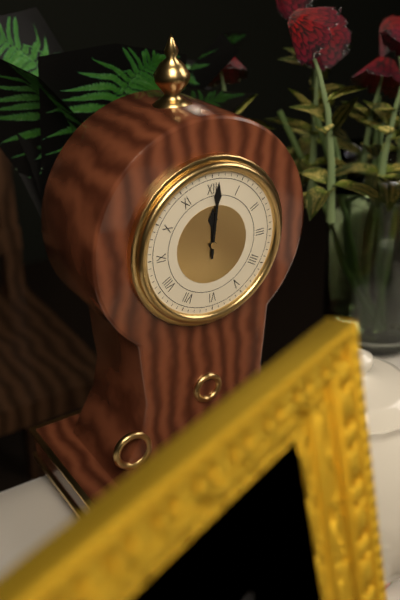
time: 12:01
